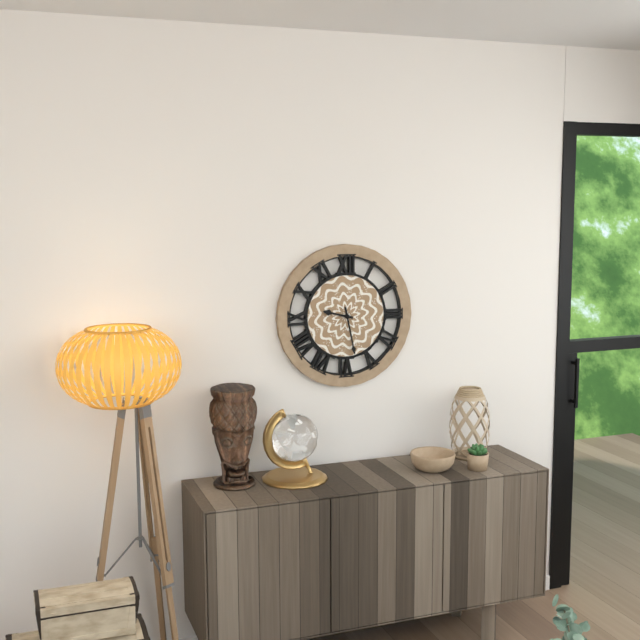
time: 9:28
